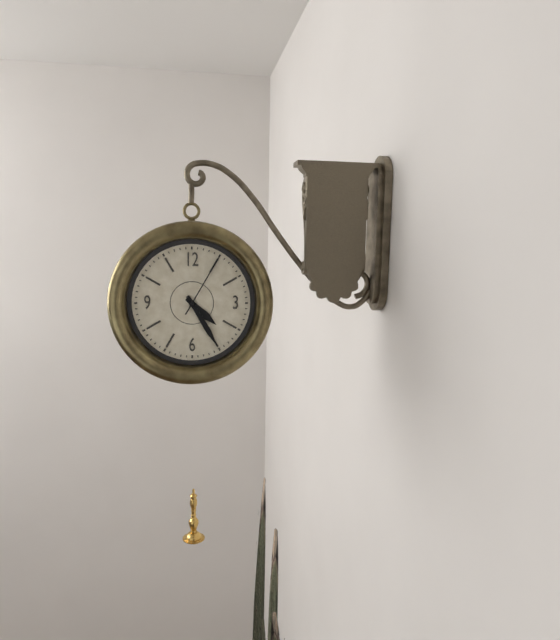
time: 4:25:05
